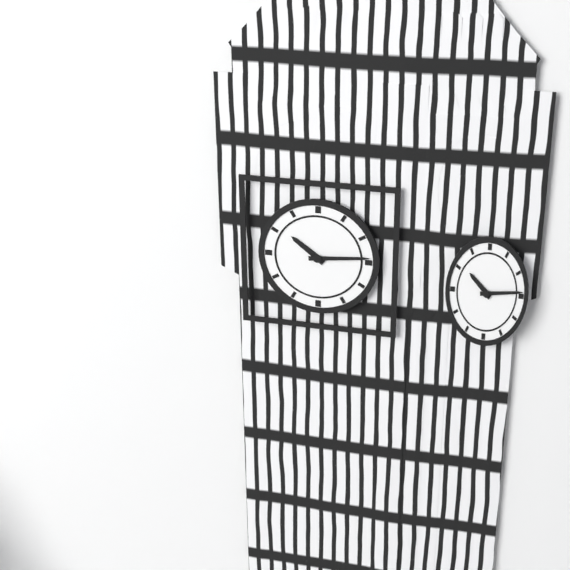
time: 10:14
